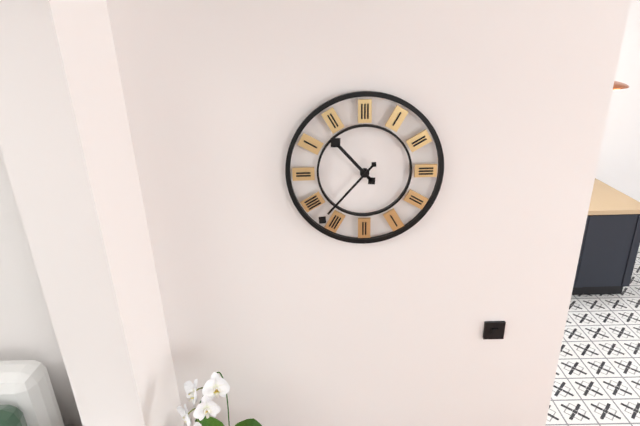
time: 10:37
